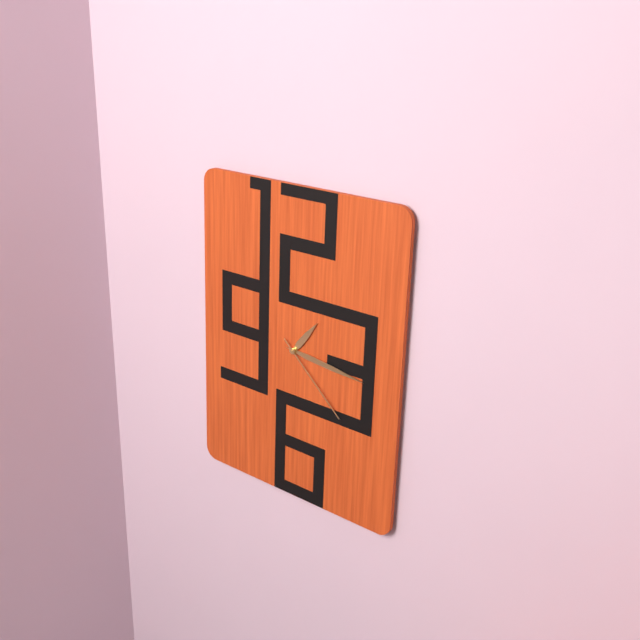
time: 1:16:22
